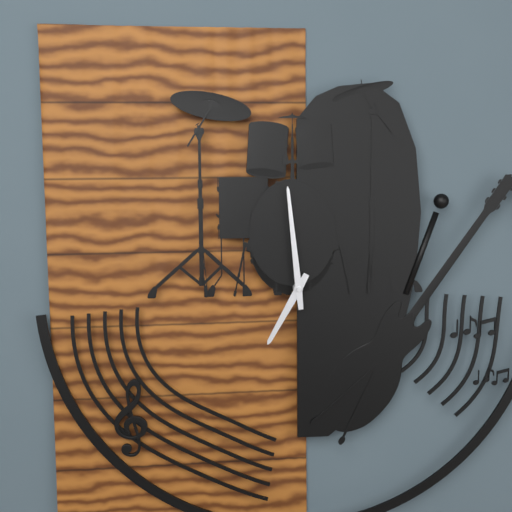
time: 6:59
